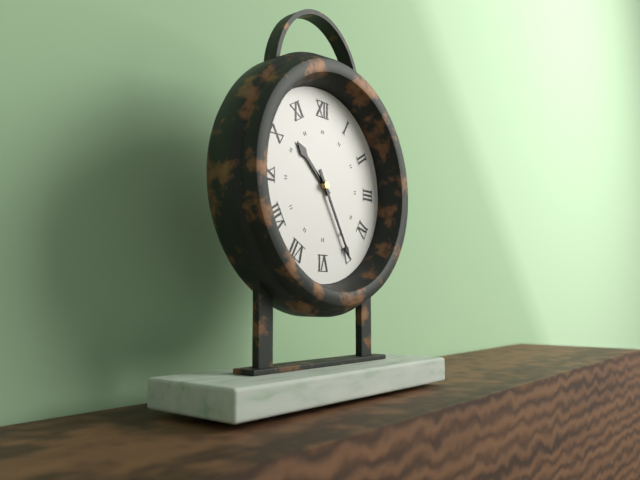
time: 10:25
